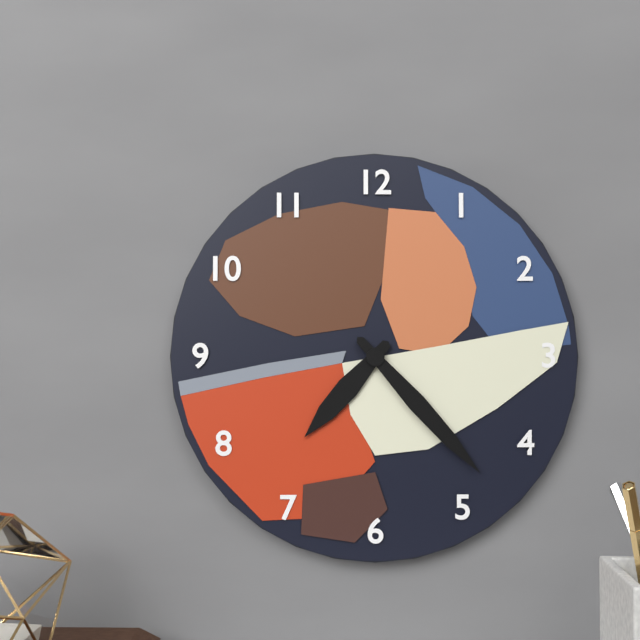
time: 7:23
